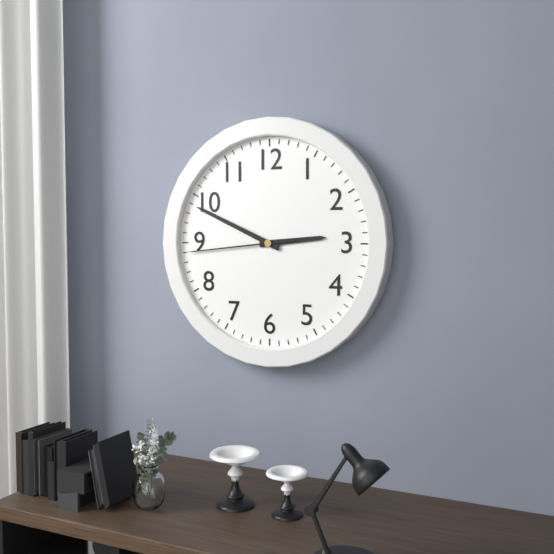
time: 2:49:44
